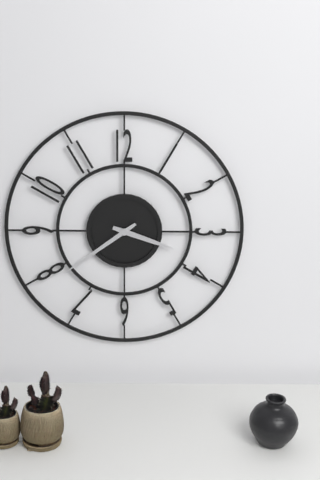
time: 3:39
